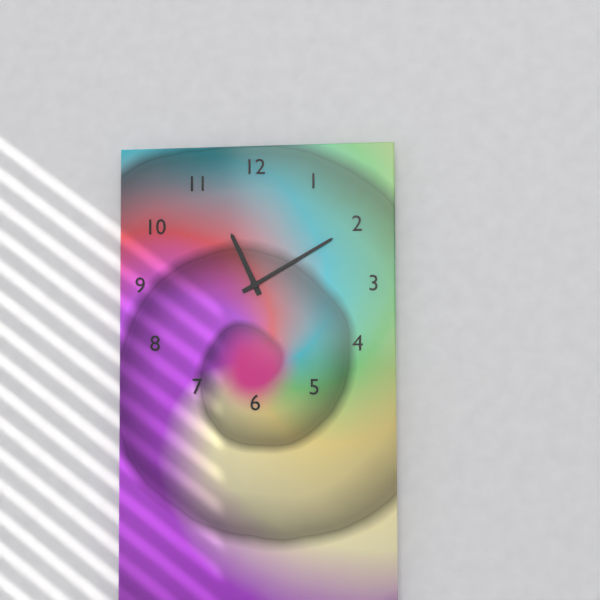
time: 11:10
